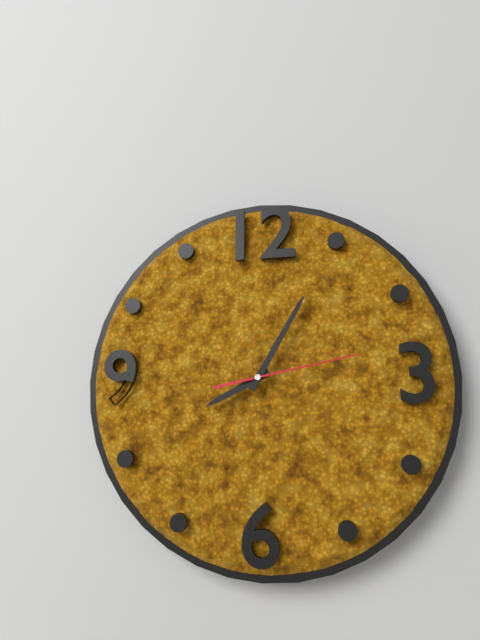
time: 8:05:13
